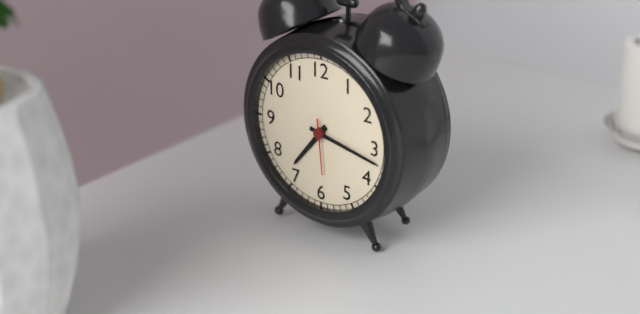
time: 7:17:29
